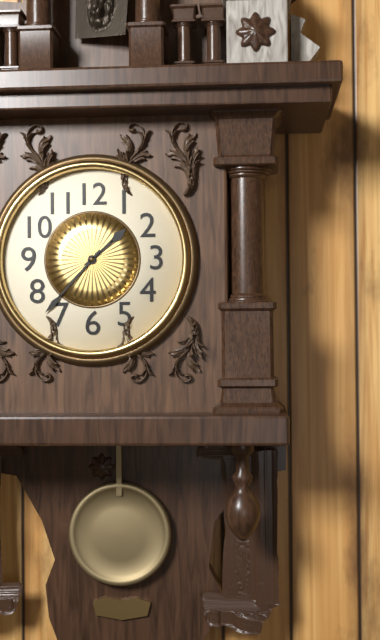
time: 1:37
